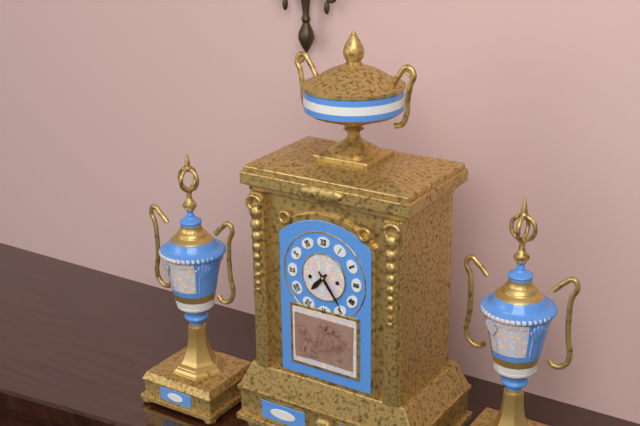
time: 7:24
